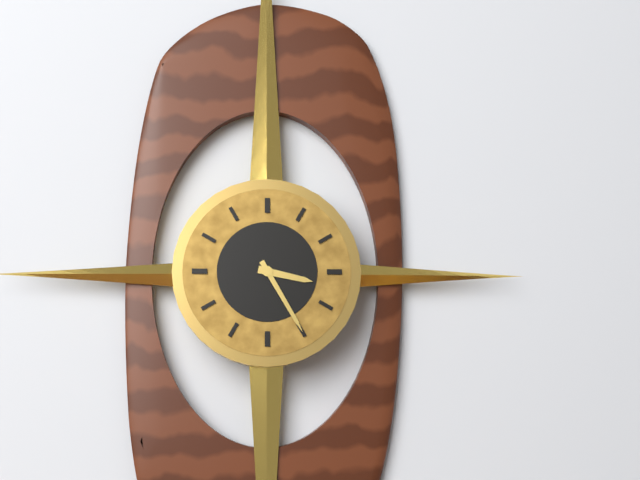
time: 3:25
